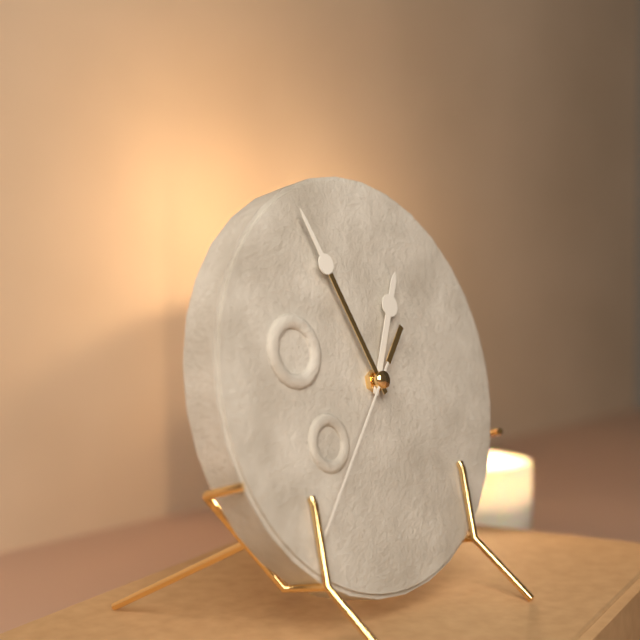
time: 12:56:37
